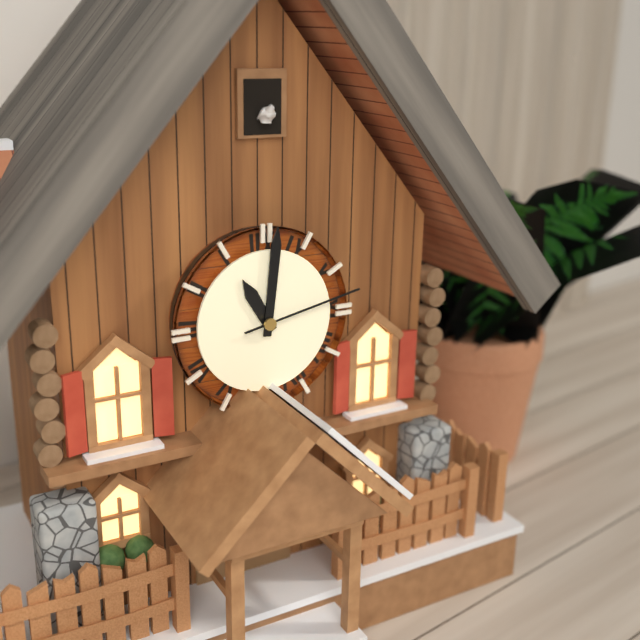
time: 11:01:13
